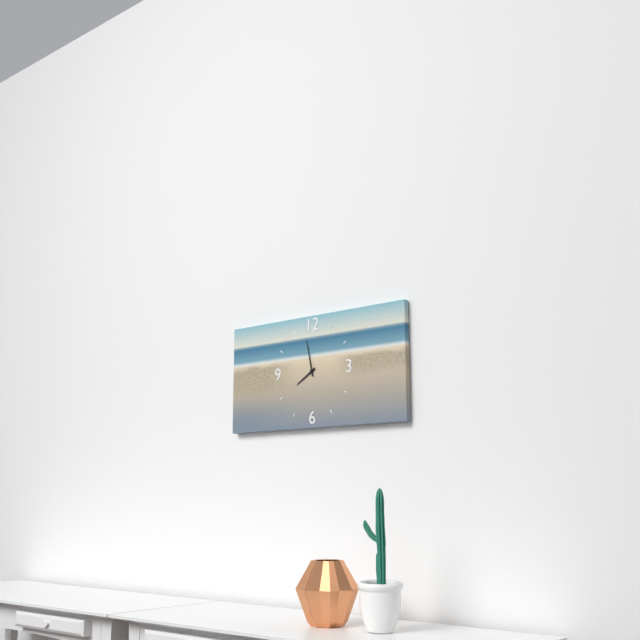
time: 7:58
